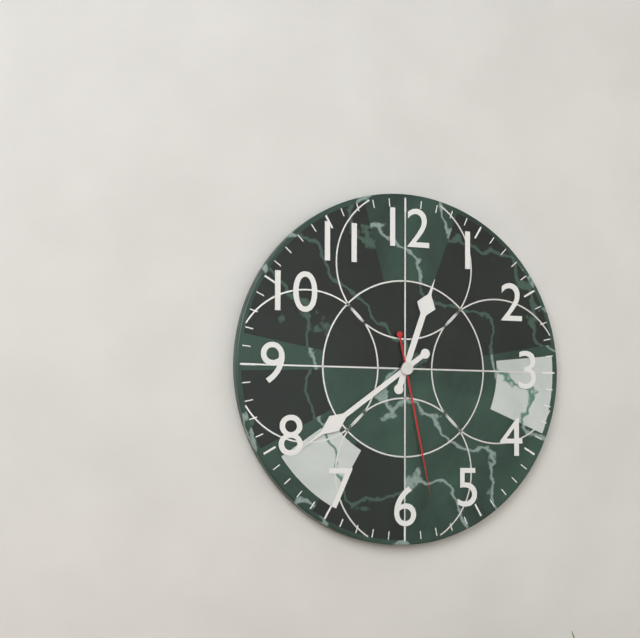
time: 12:39:28
